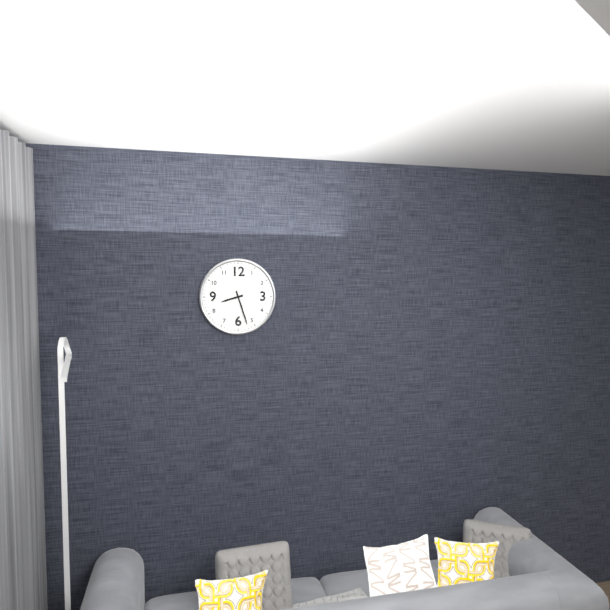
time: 8:27
